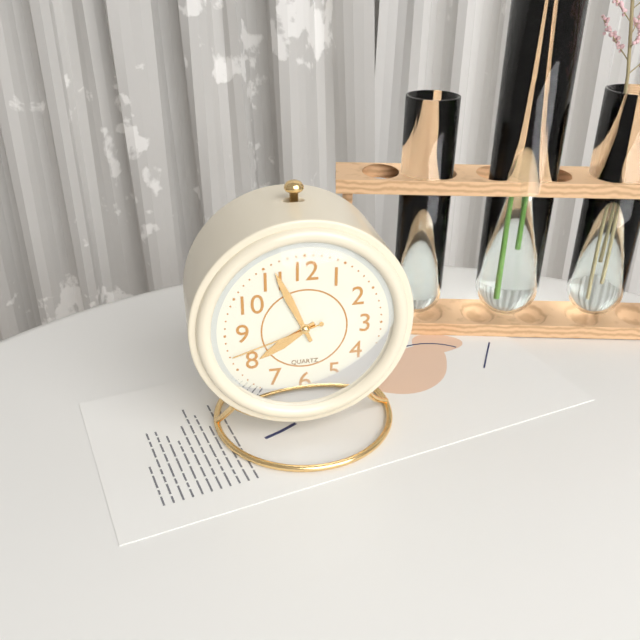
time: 7:56:42
